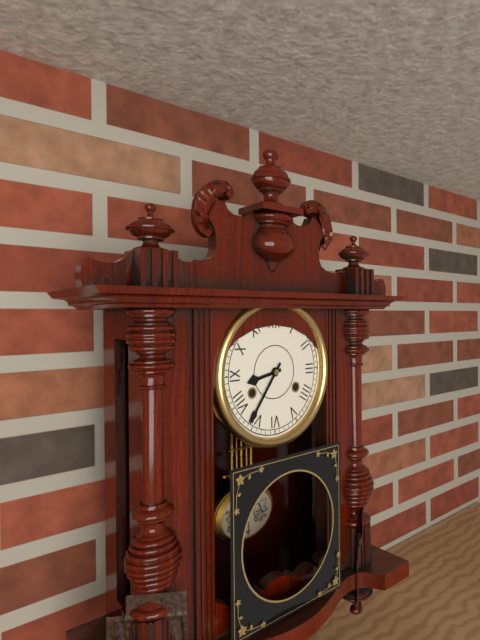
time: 8:36
